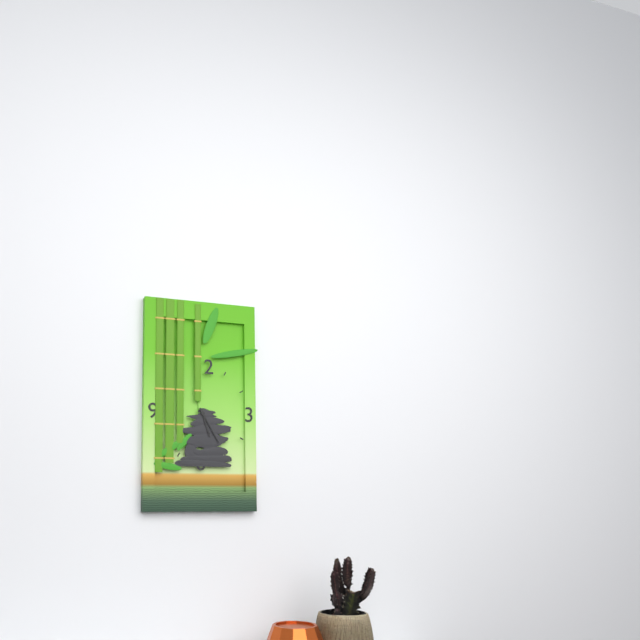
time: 5:25
